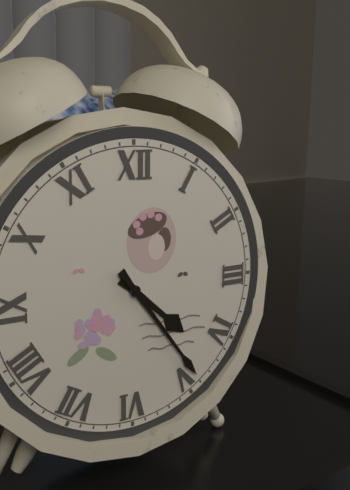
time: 4:24
